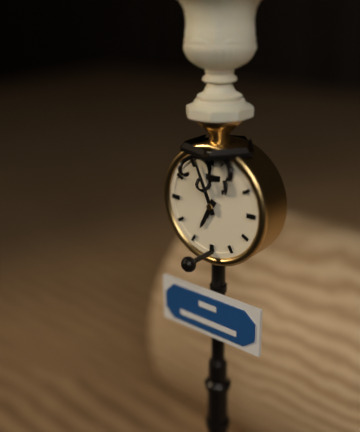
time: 6:56
